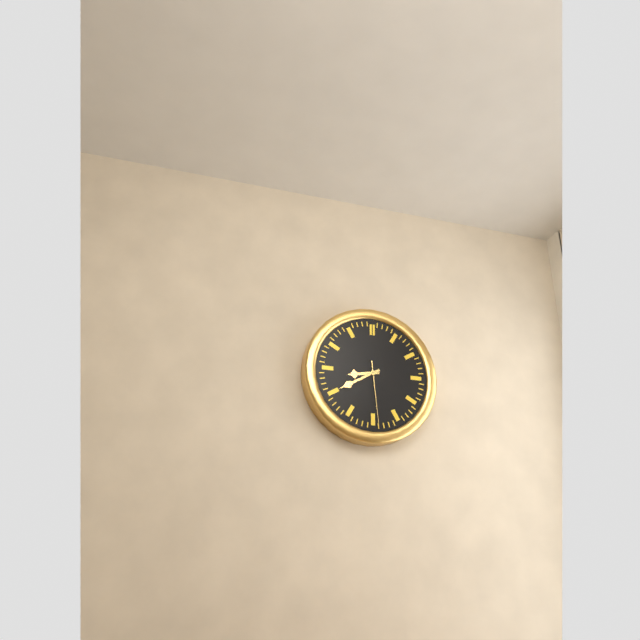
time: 8:40:29
